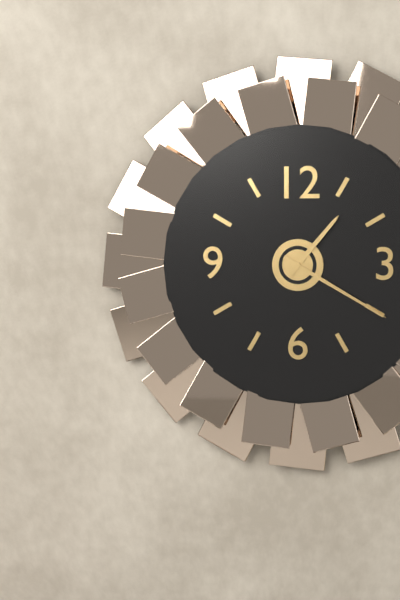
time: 1:20
